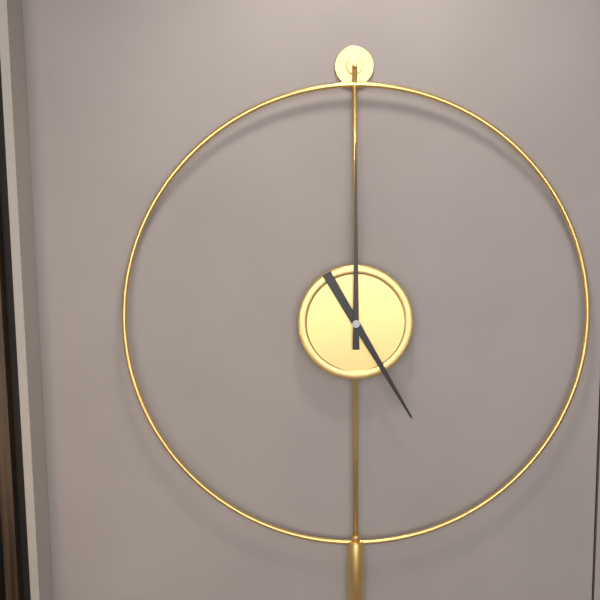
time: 5:00
